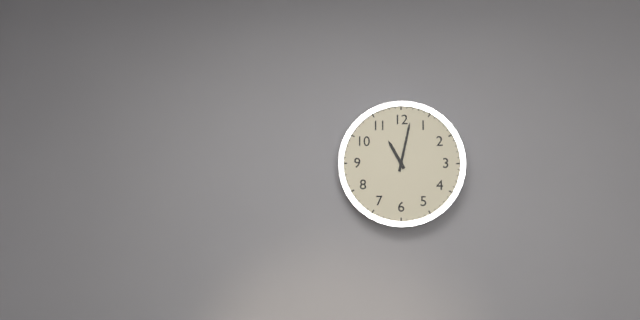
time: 11:02
